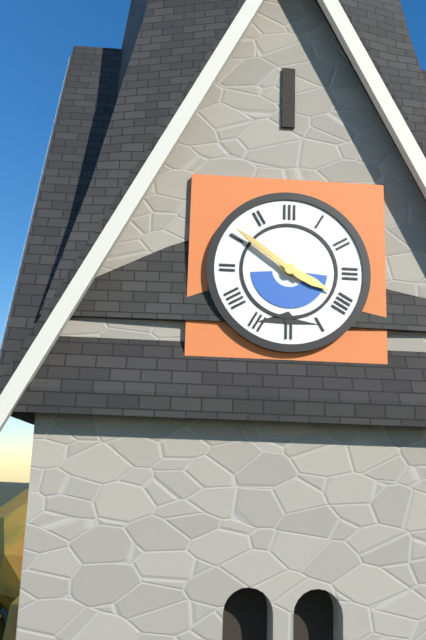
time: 3:51
